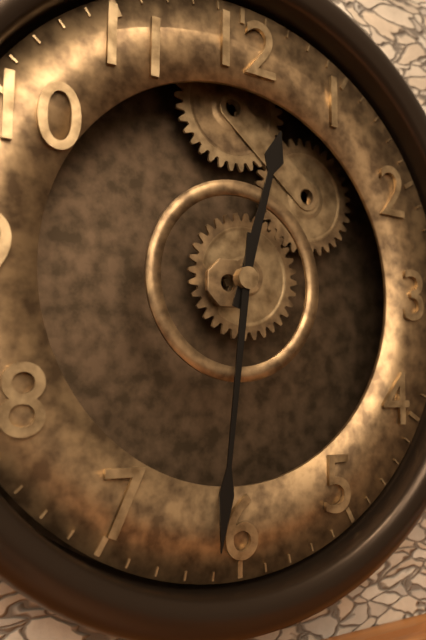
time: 12:31
